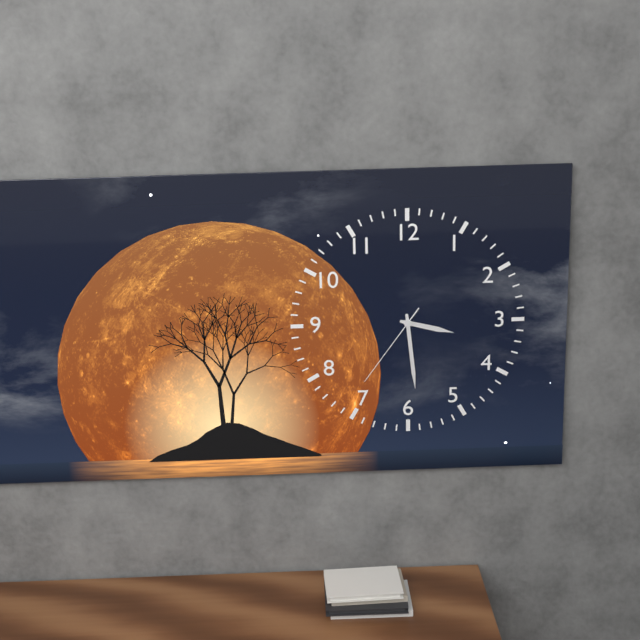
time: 3:29:36
